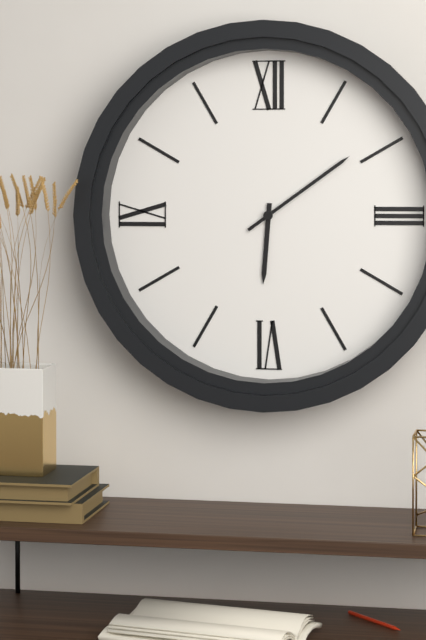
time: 6:09
